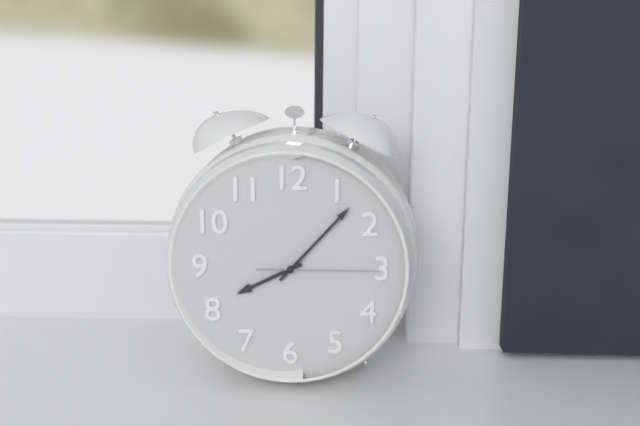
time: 8:07:15
